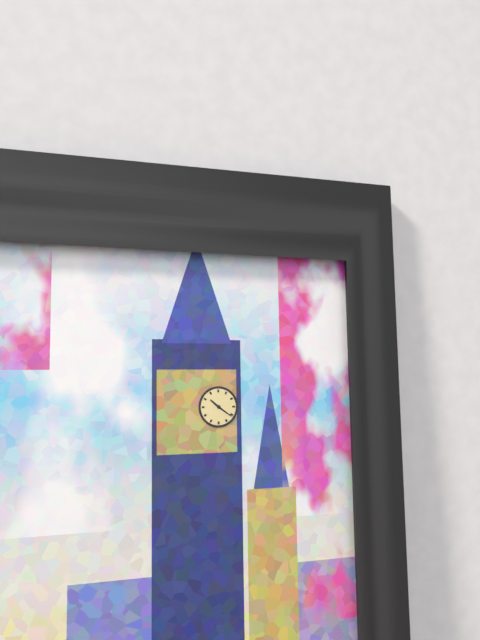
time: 10:21
